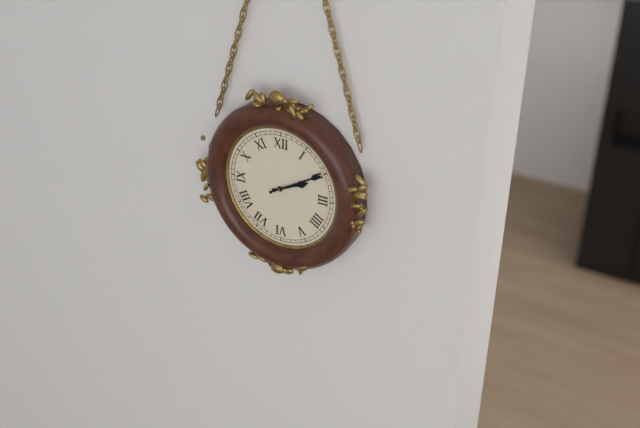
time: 2:10
